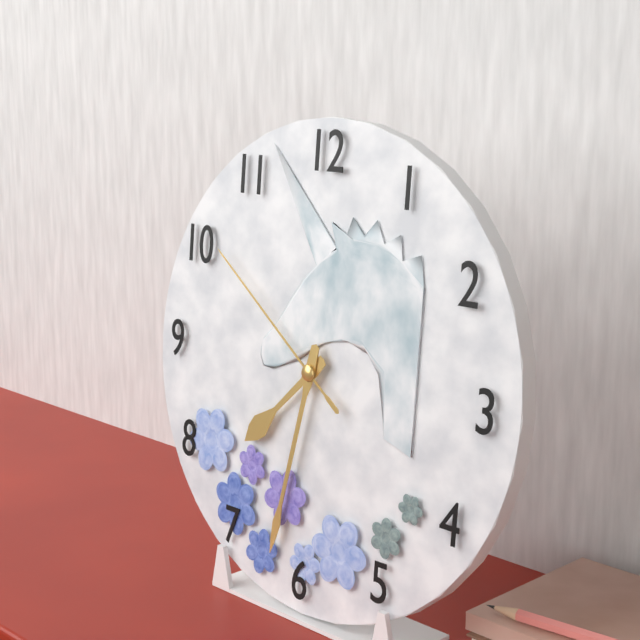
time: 7:32:51
